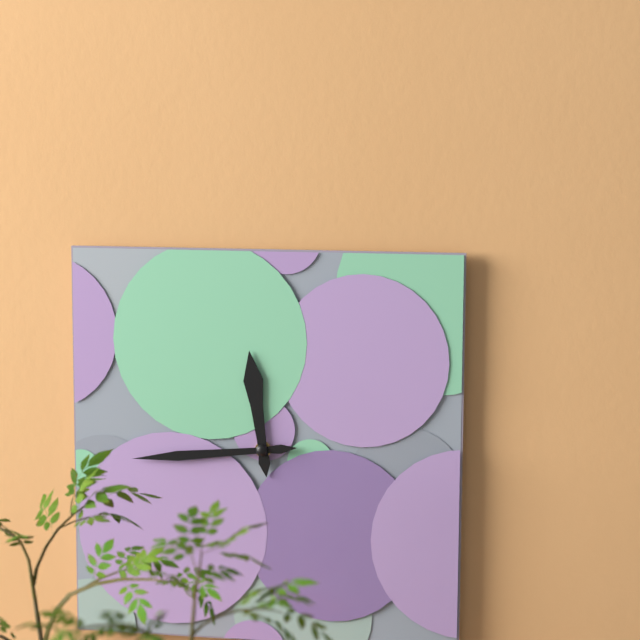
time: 11:44
